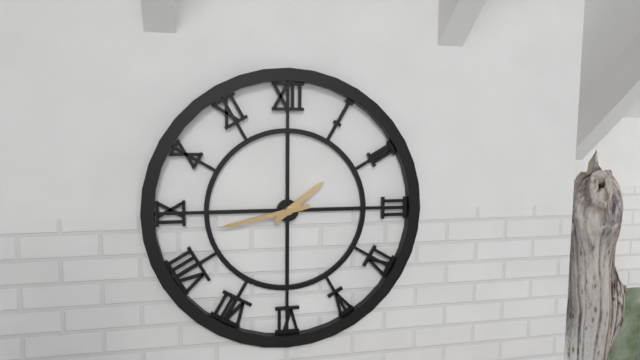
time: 1:43
